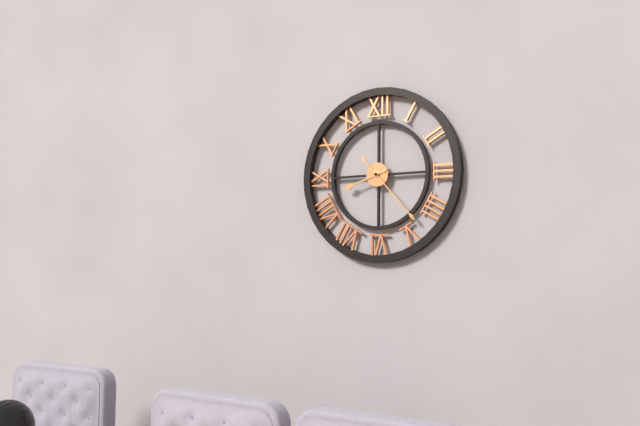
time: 8:23
